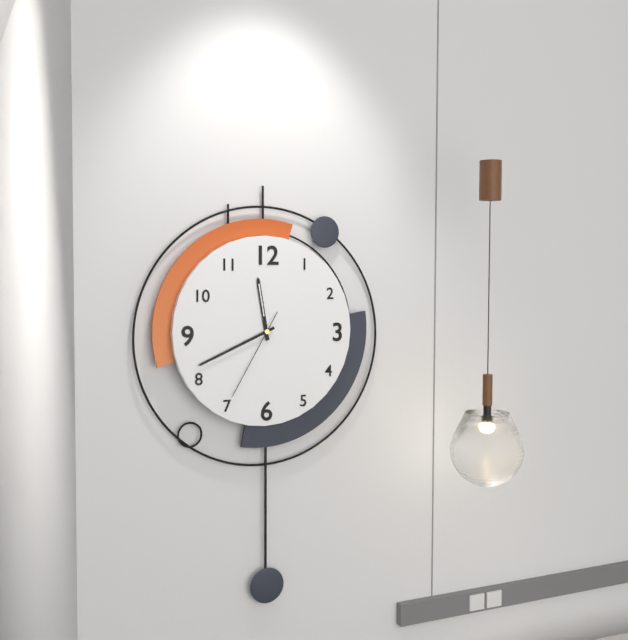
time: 11:41:35
